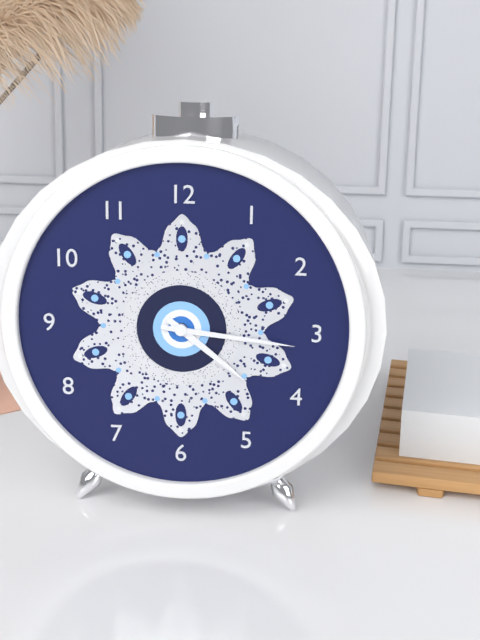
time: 4:16
